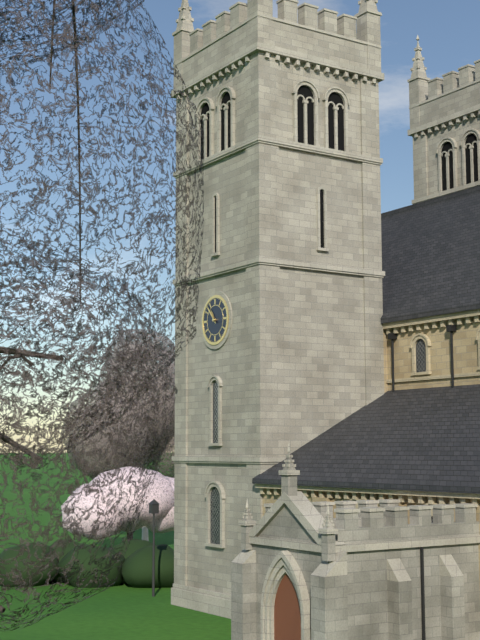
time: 10:53
